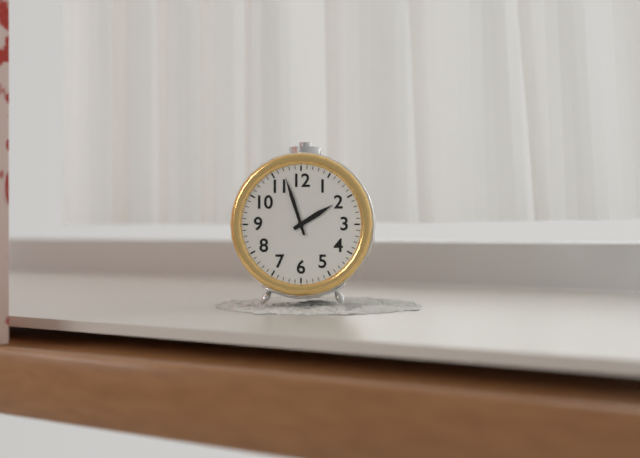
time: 1:57
